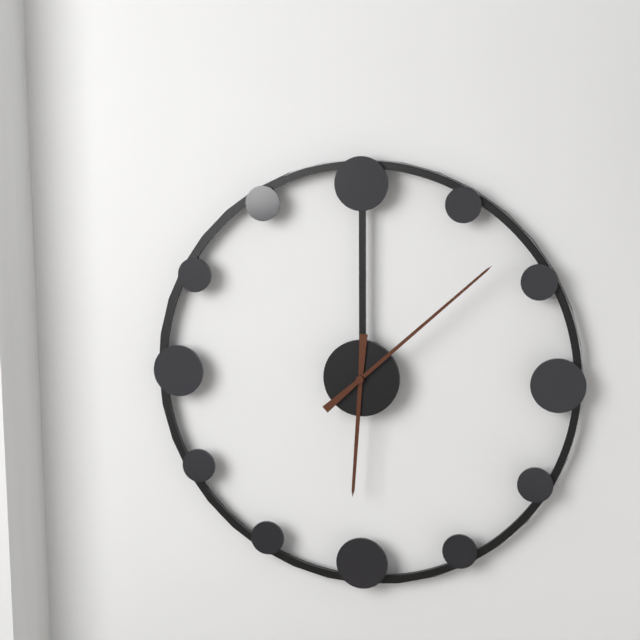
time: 6:08
